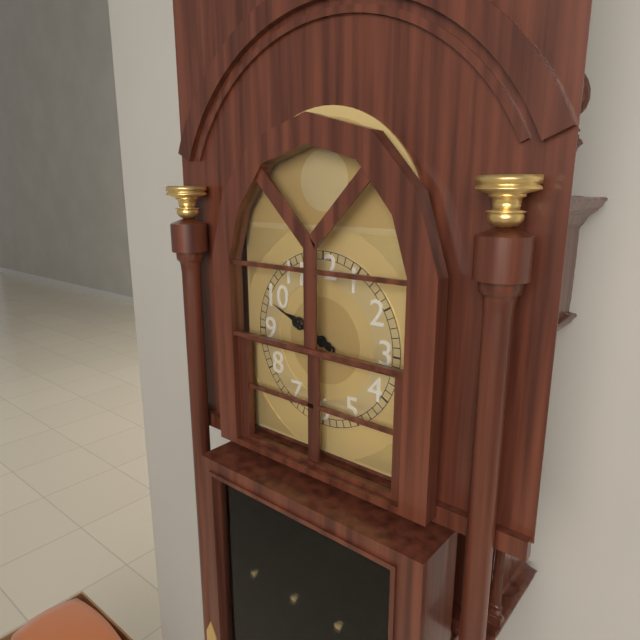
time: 9:49
